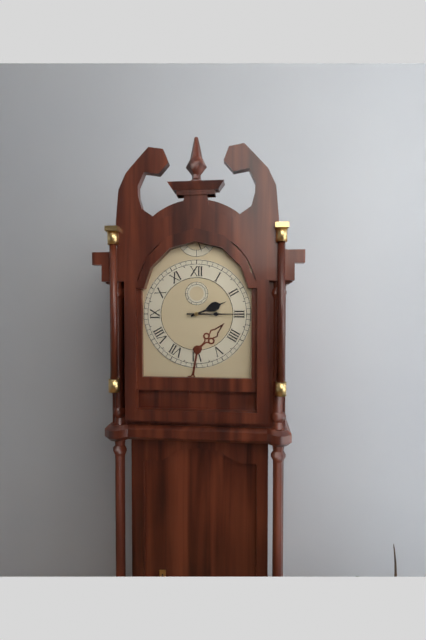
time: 2:15
